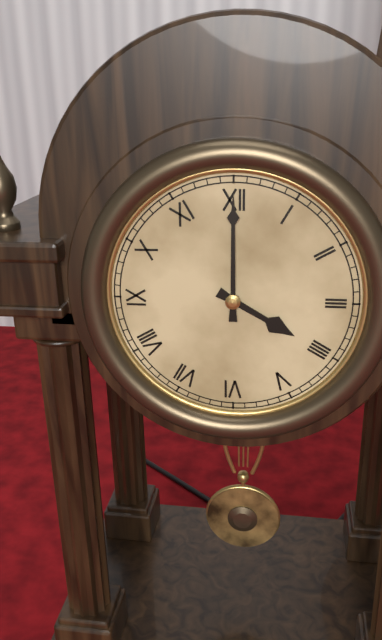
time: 4:00
